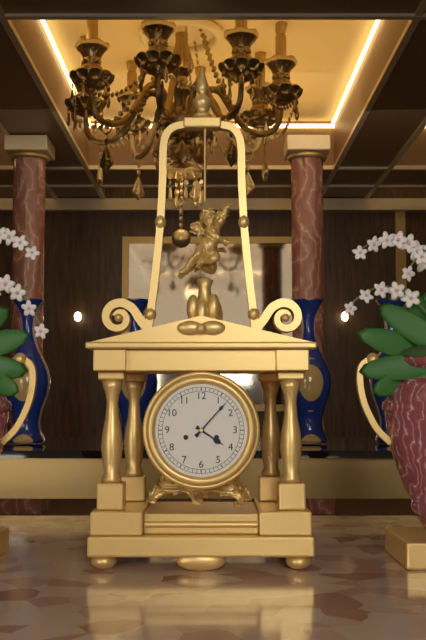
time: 4:07
